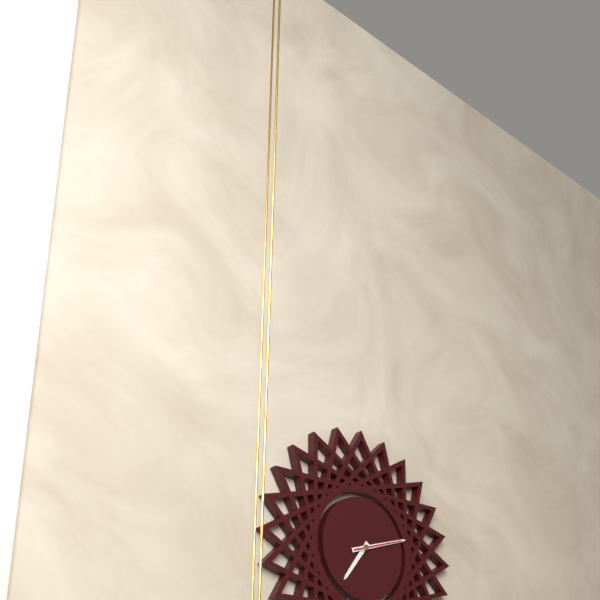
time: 7:12
